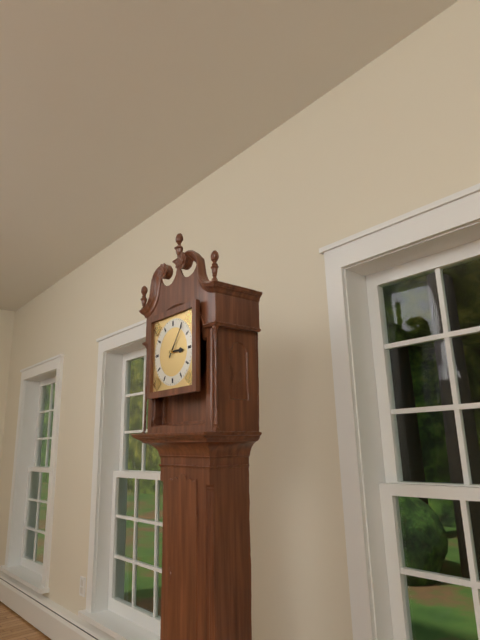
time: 3:06
